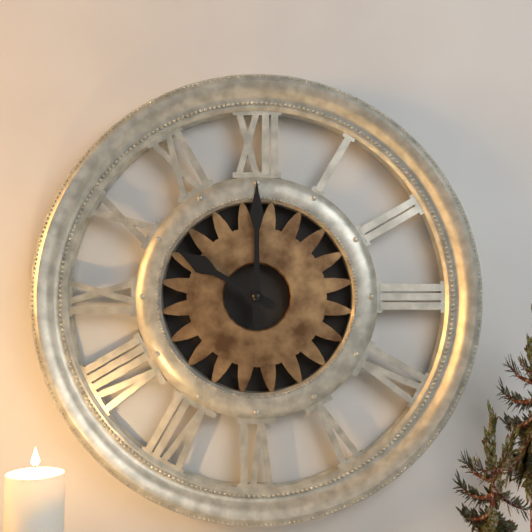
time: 10:00
